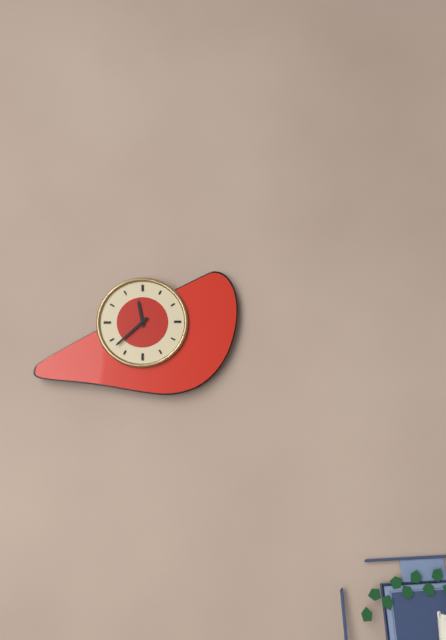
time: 11:38
